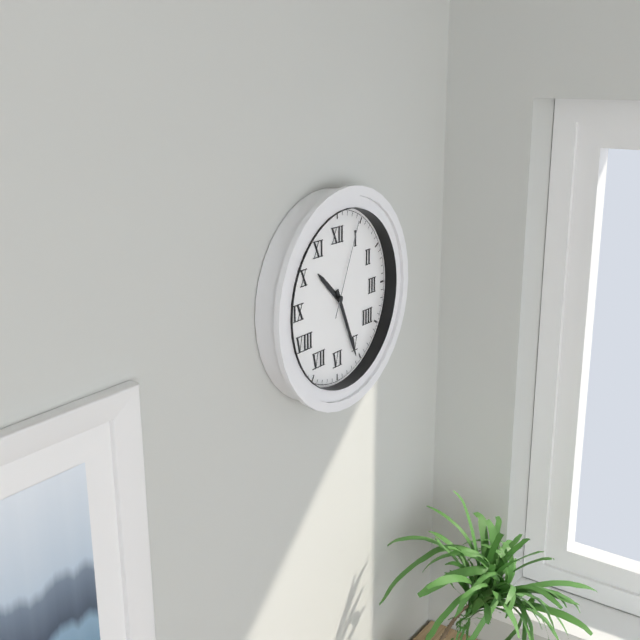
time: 10:26:04
